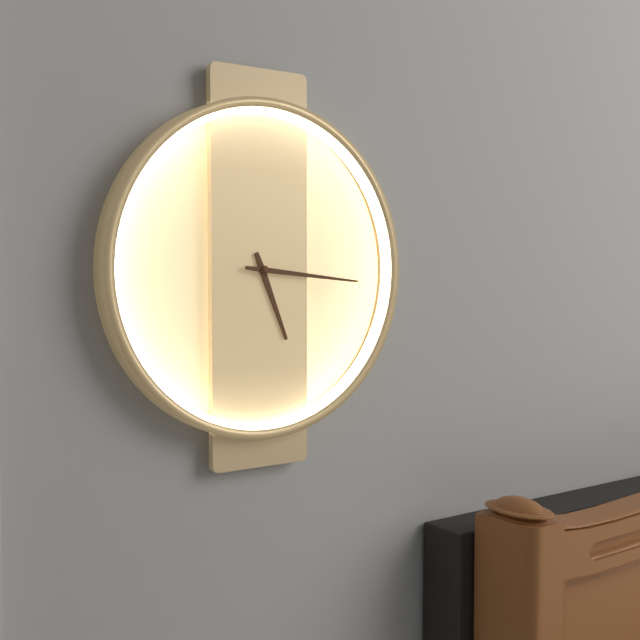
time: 5:16
